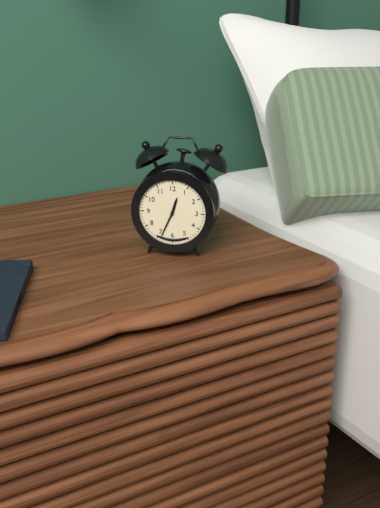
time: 12:34
